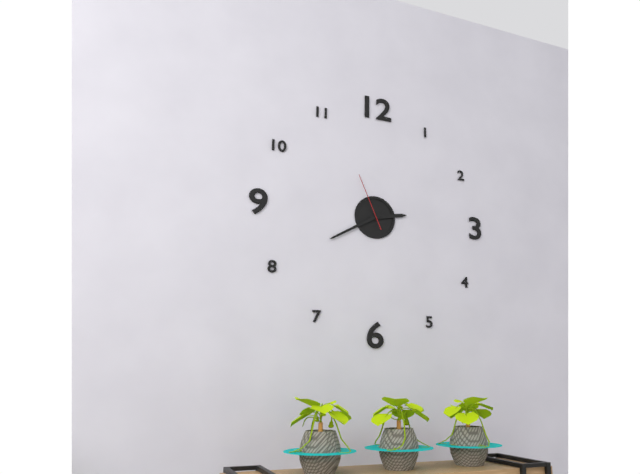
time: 2:40:56
